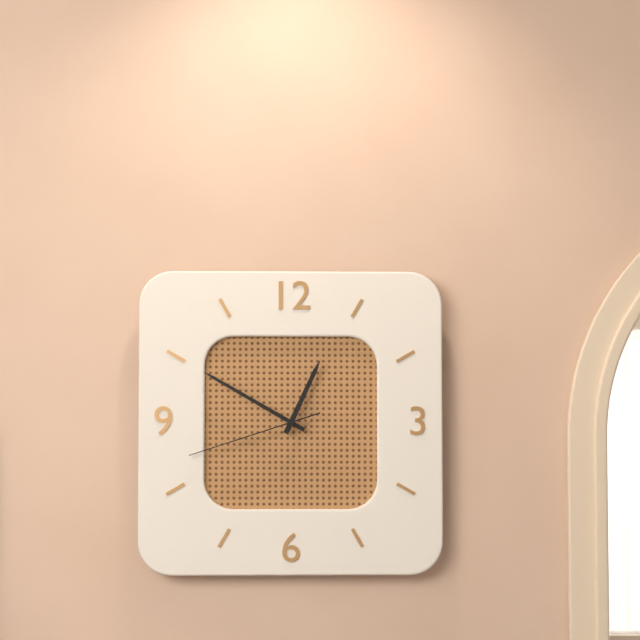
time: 12:50:42
